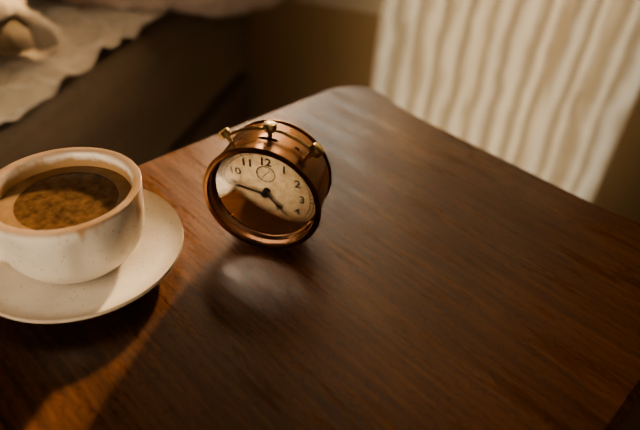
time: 4:46
